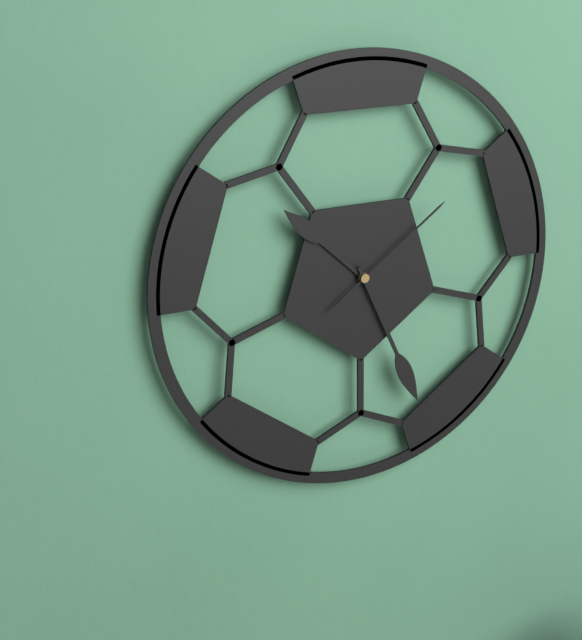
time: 10:26:09
